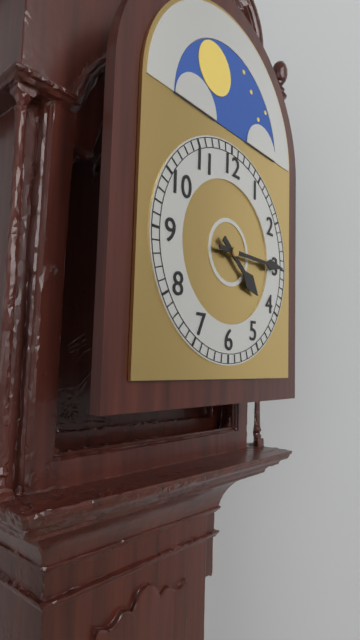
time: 4:15
